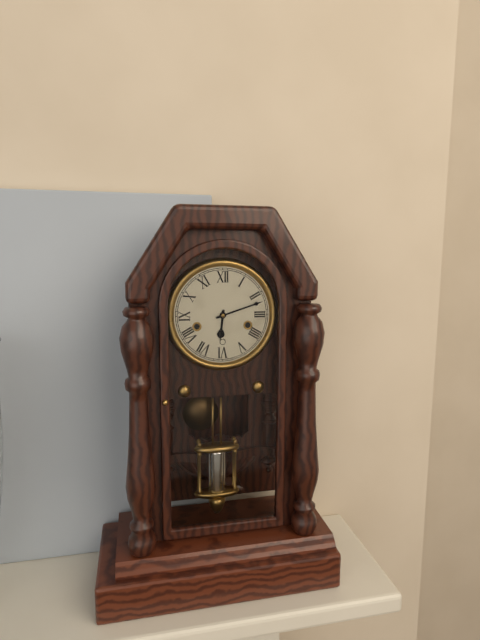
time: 6:12
